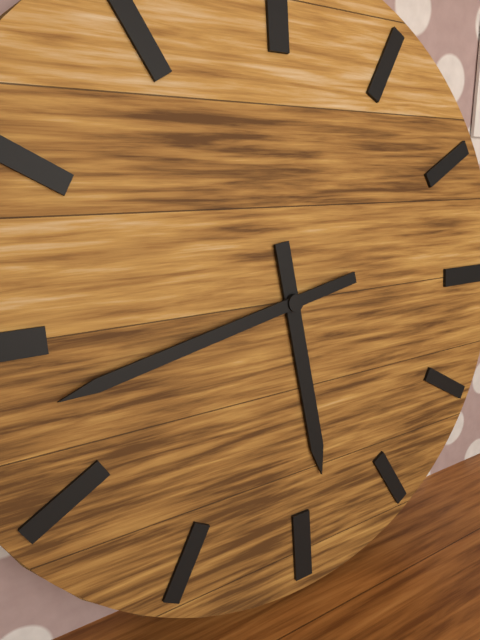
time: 5:43
